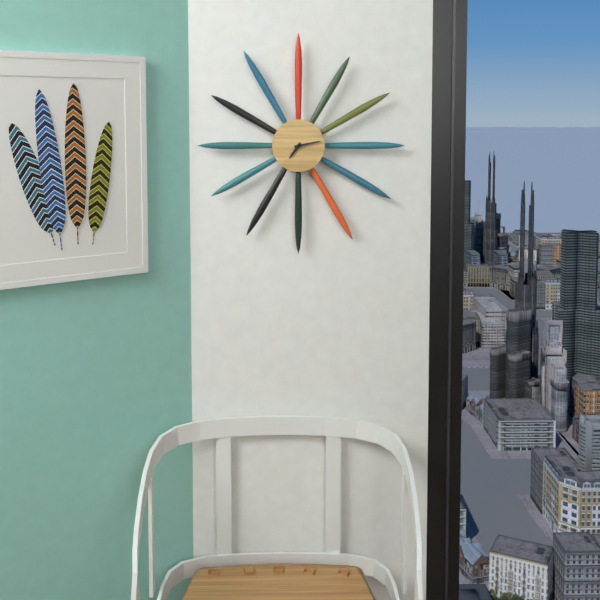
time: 7:13
